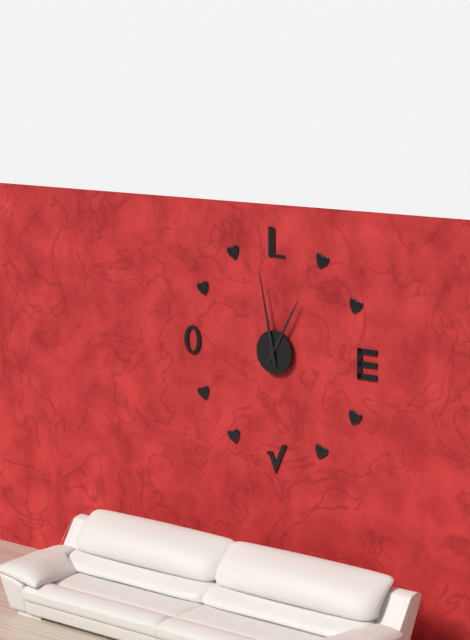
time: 12:58
